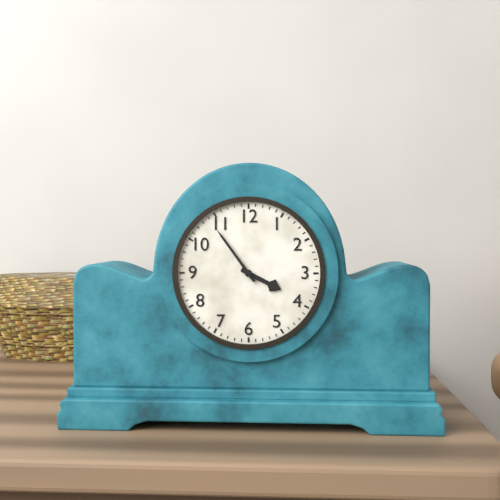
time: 3:54
